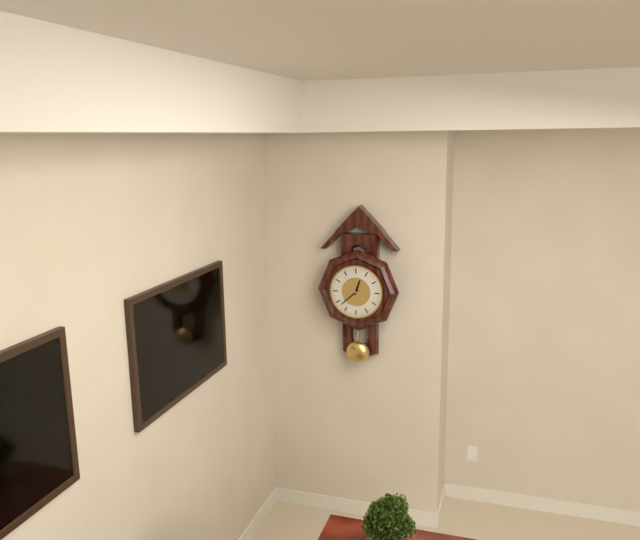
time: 12:38
